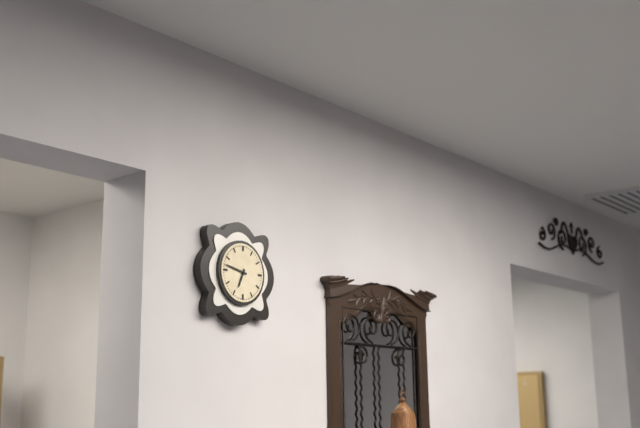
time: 6:47
